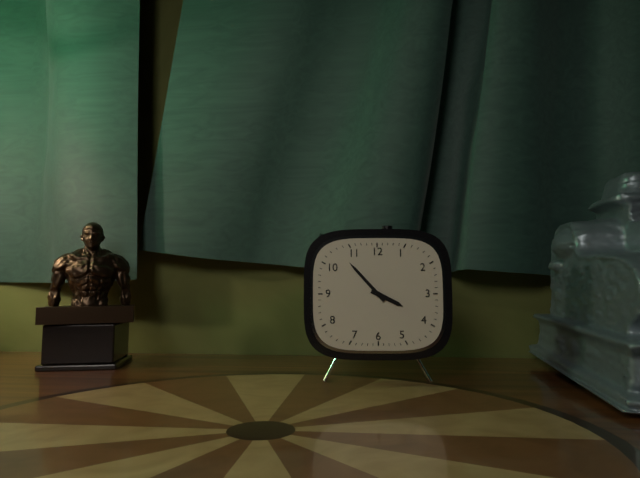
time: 3:53
